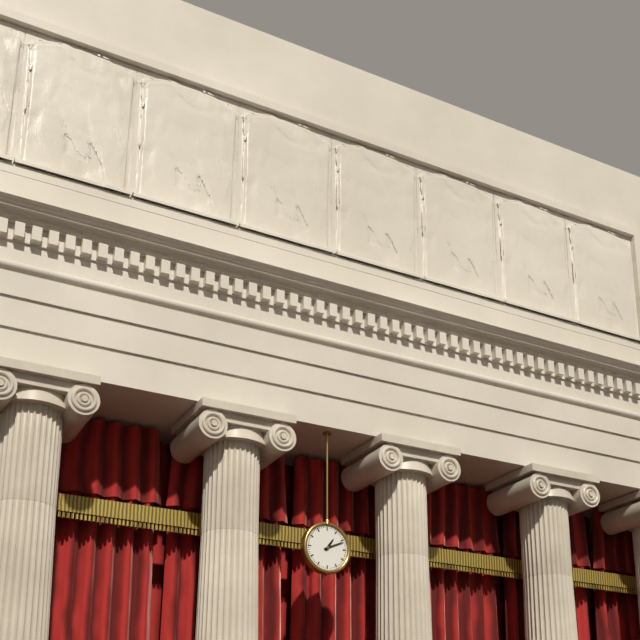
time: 1:11
